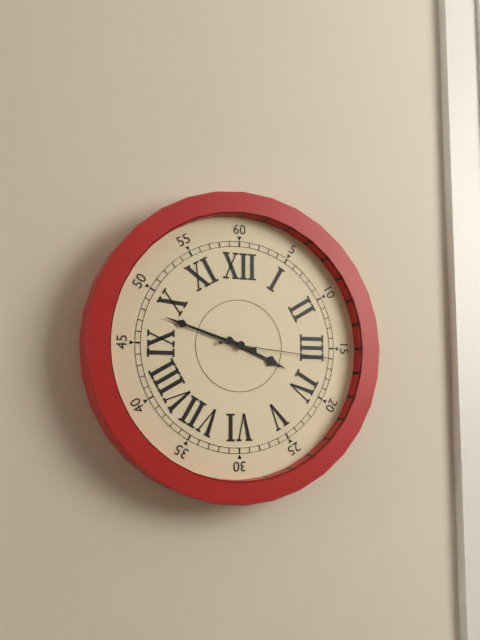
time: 3:48:16
